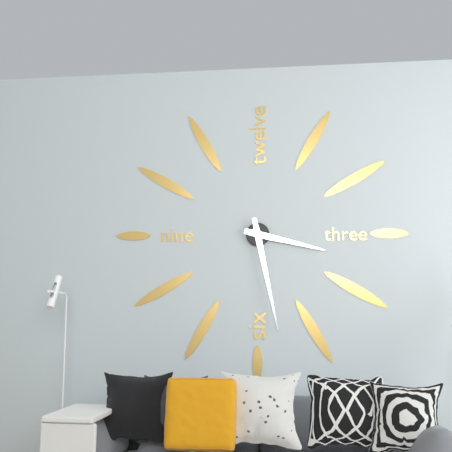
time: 3:28
